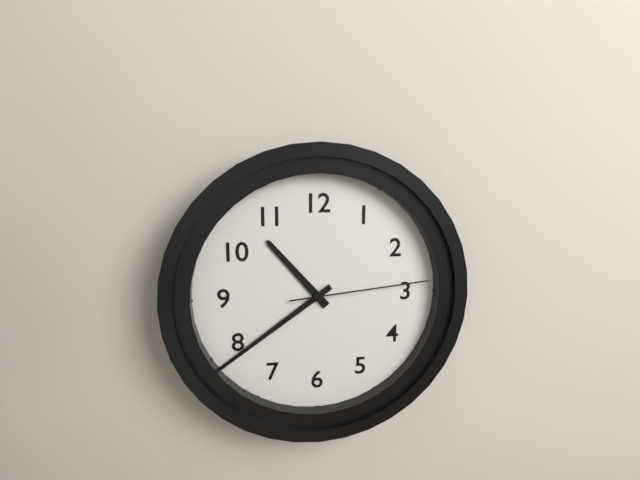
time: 10:39:14
